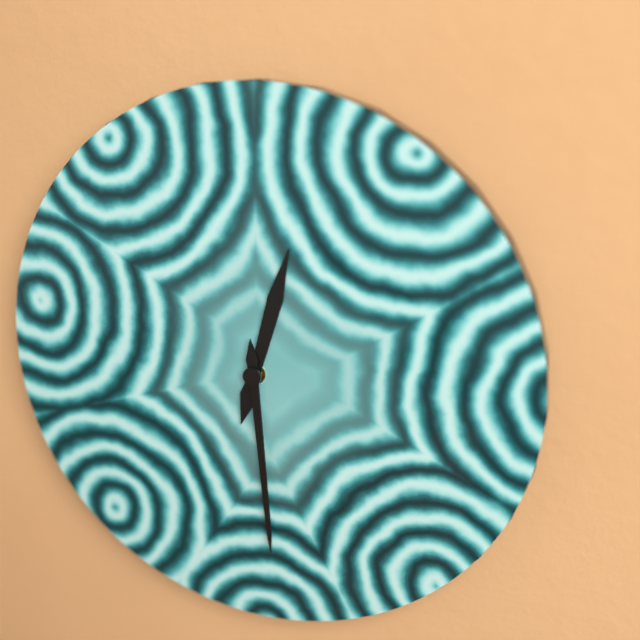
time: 12:29
